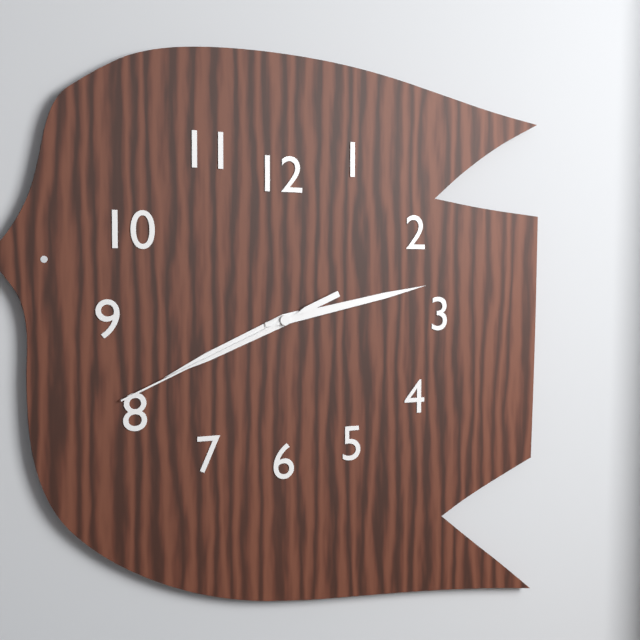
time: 8:13:41
